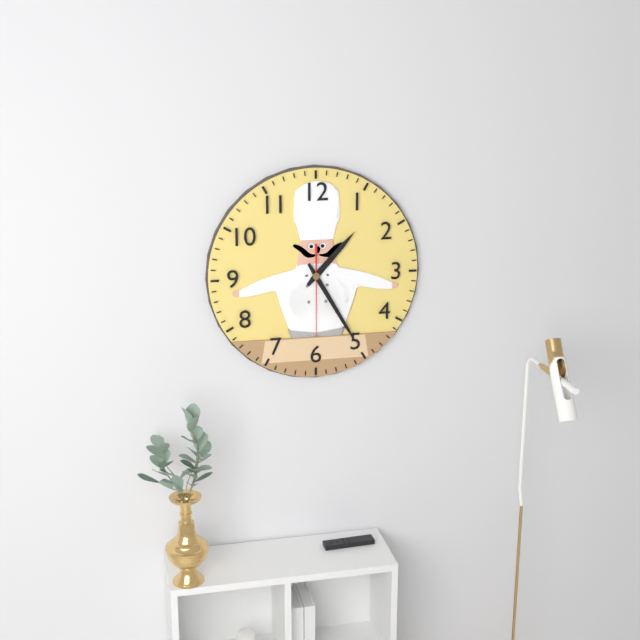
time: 1:25:30
